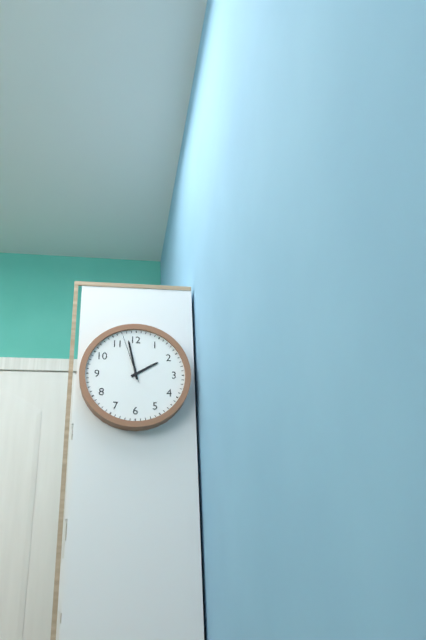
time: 1:58:57
